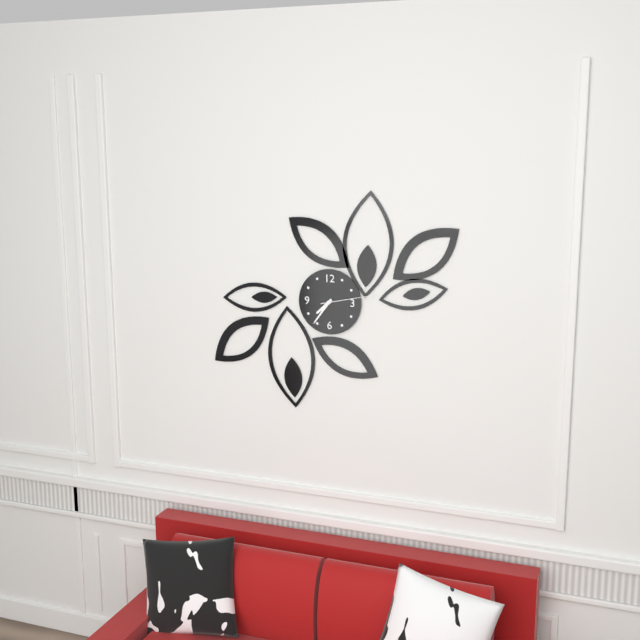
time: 7:36:13
